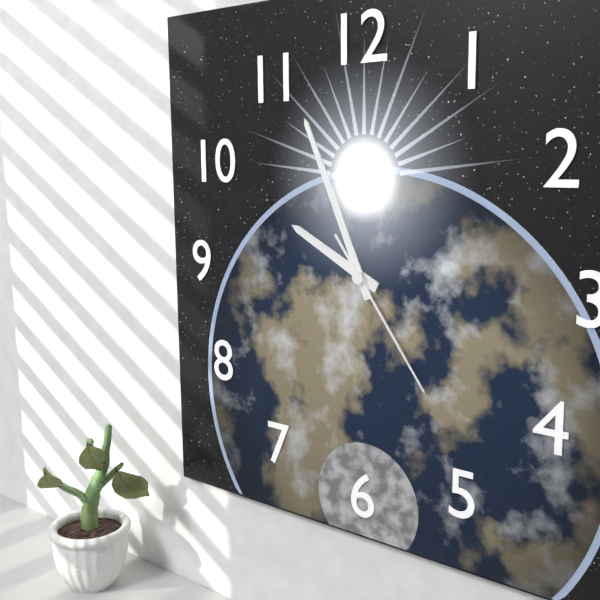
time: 9:56:24
